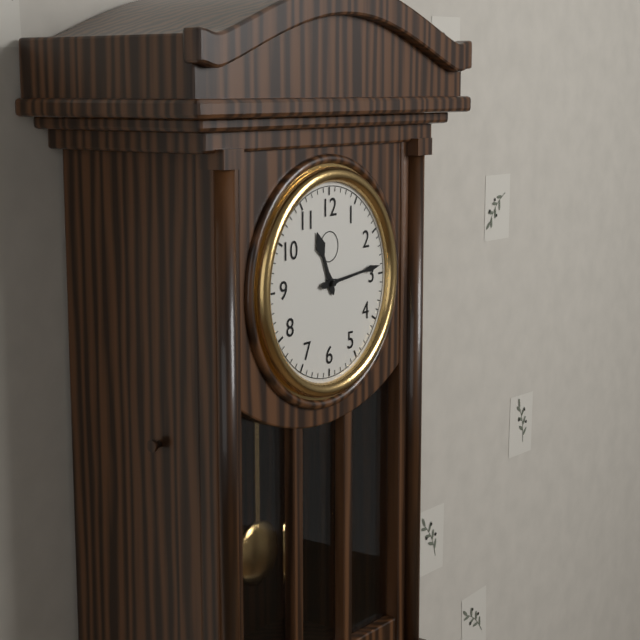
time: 11:14
